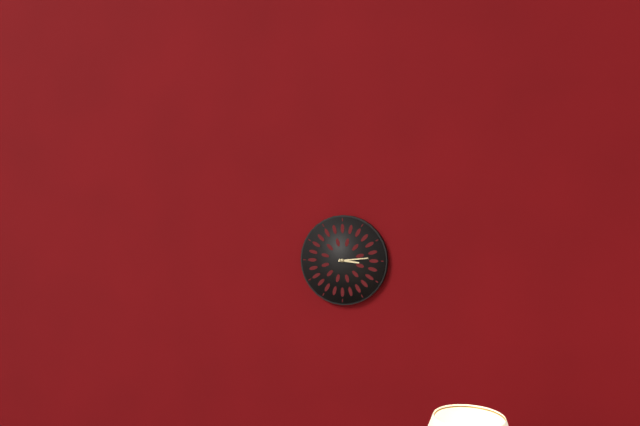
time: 3:14
